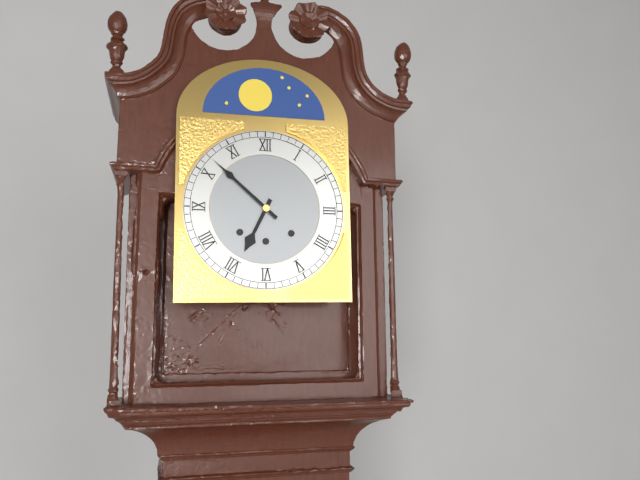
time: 6:52
